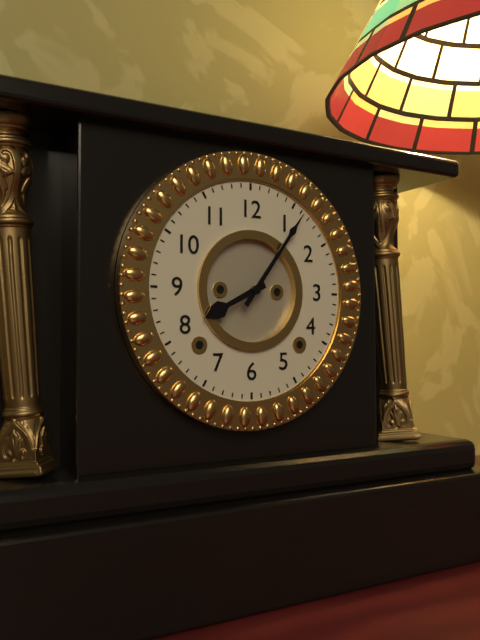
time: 8:06
